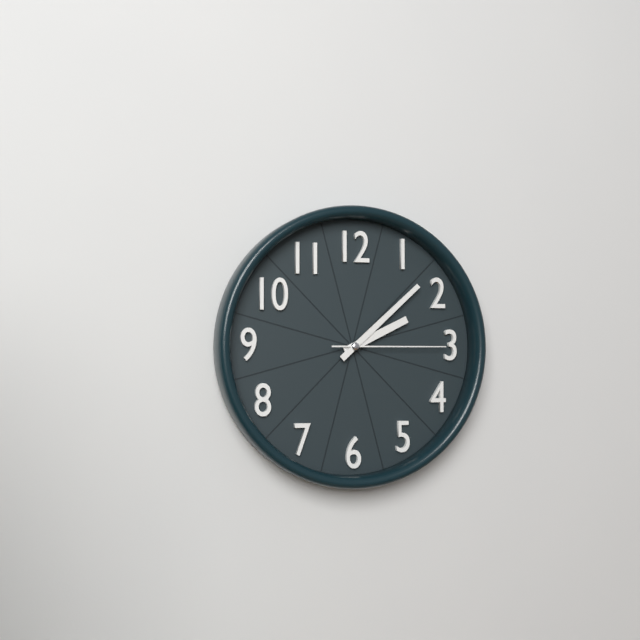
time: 2:08:15
